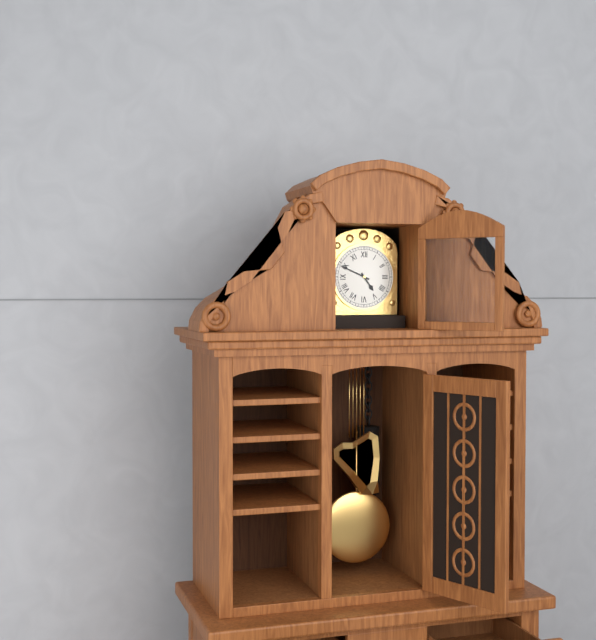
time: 4:49
